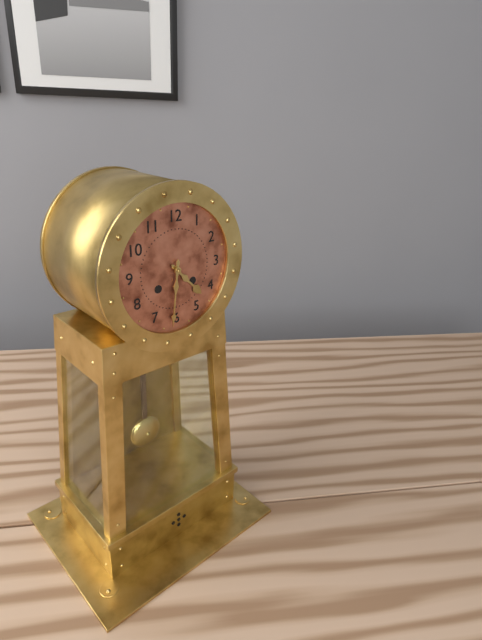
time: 4:31
